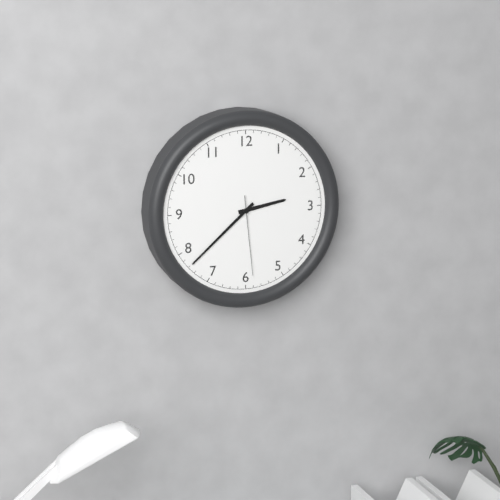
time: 2:38:29
